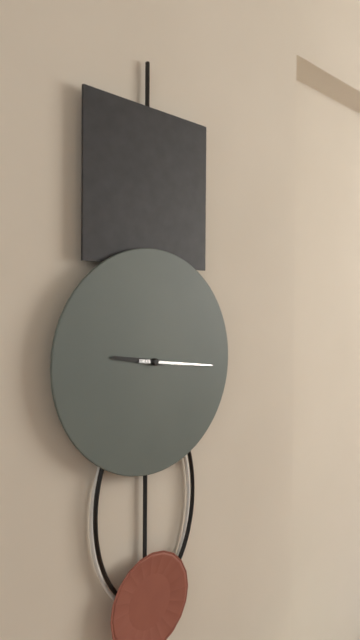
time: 9:16
